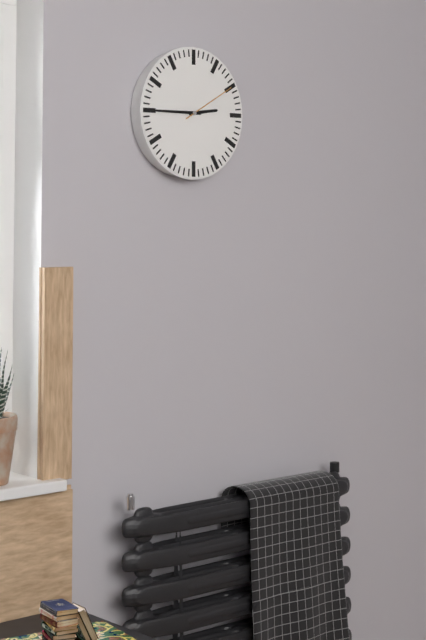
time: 2:45:10
